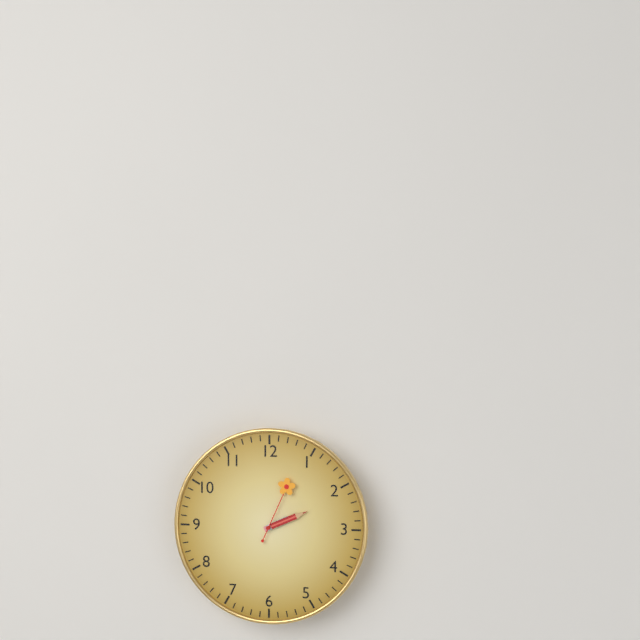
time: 2:11:04
